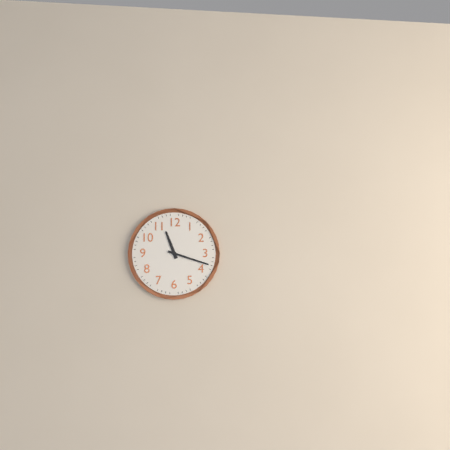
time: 11:18
